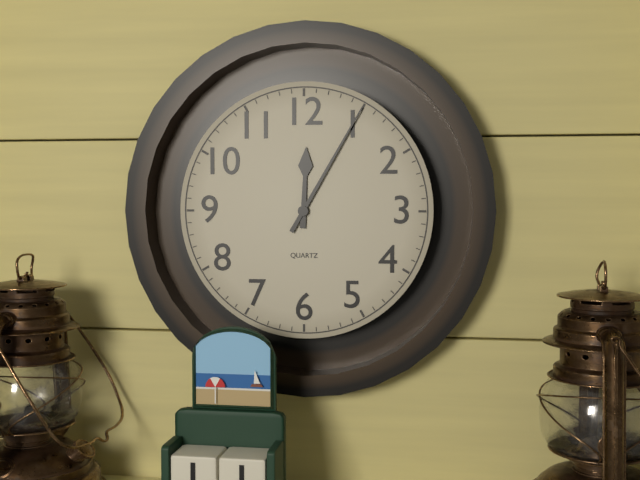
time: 12:05
